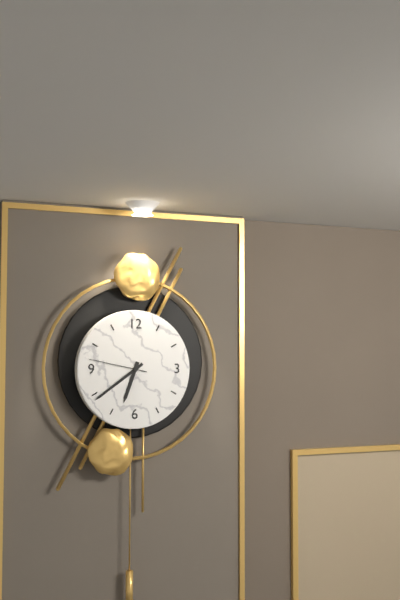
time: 6:39:47
